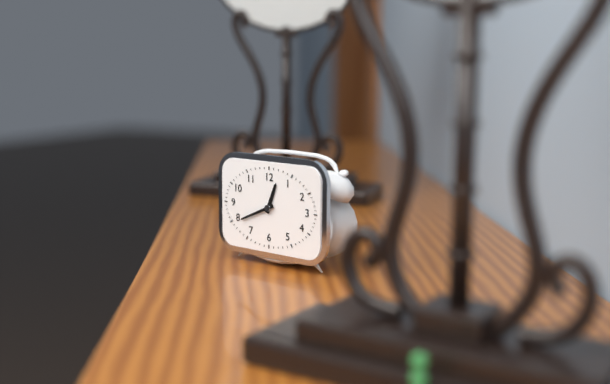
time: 12:41
